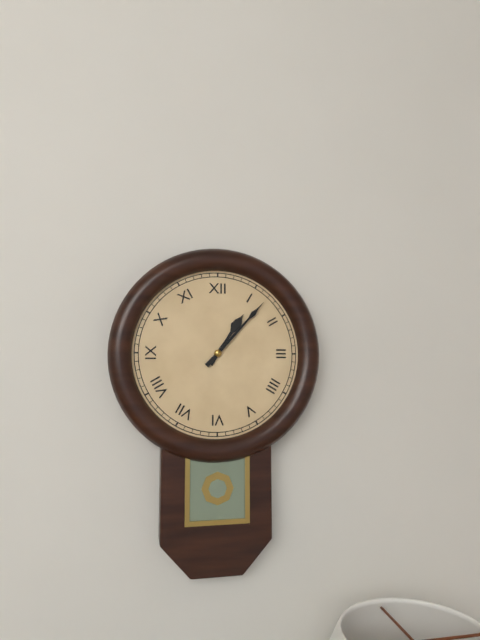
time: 1:07
